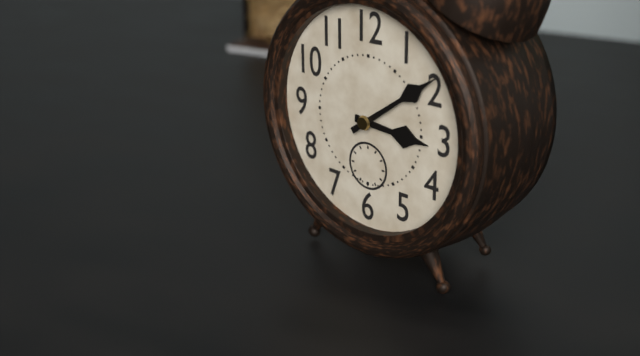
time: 3:09
